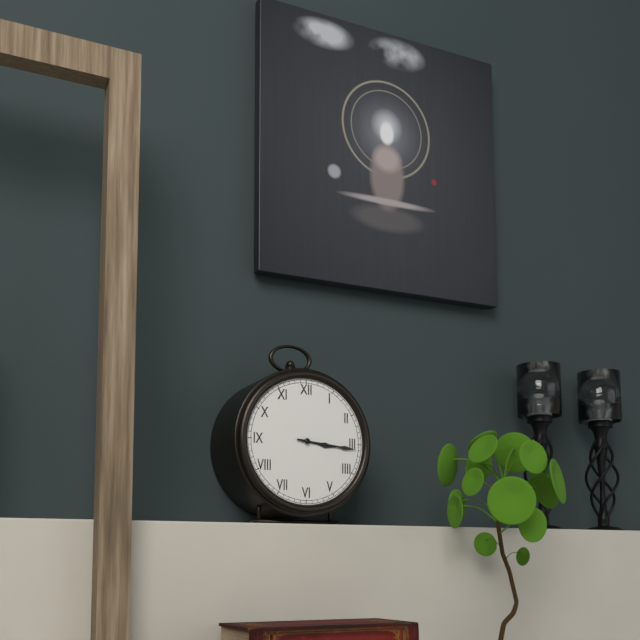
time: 3:16
